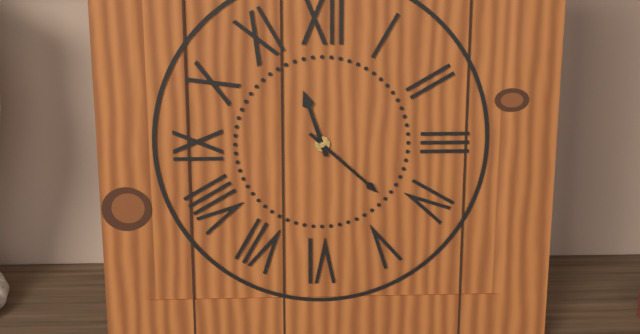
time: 11:22
